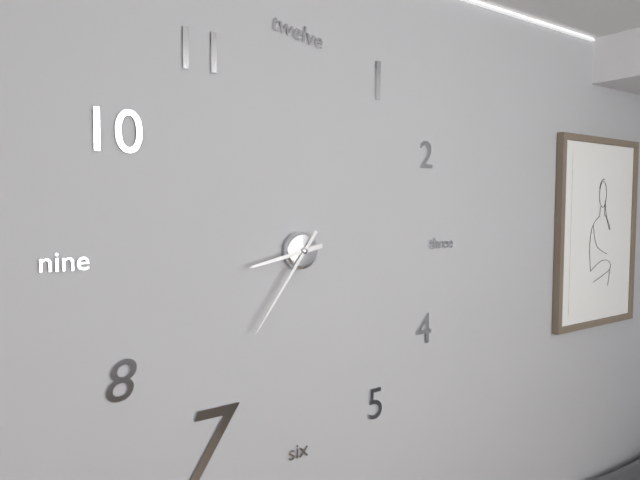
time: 8:36
